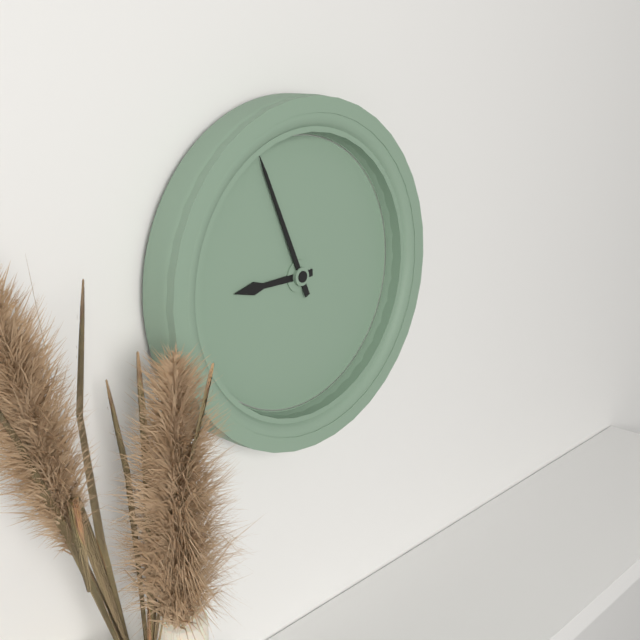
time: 8:56
